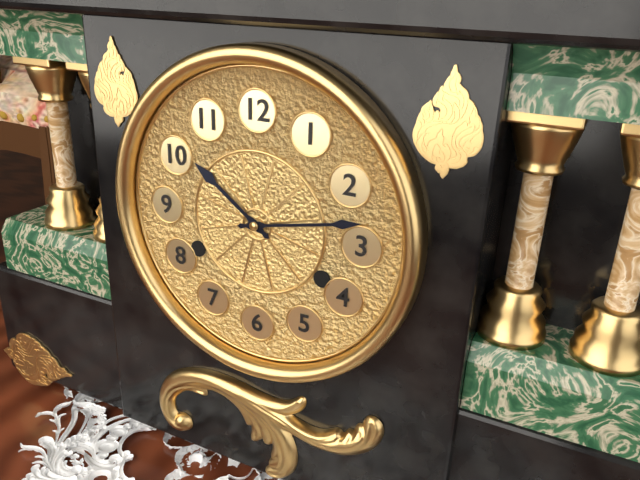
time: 10:13
